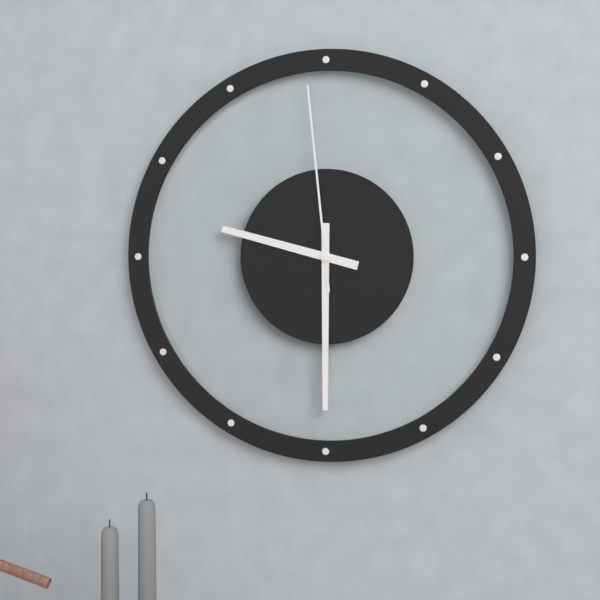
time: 9:30:59
